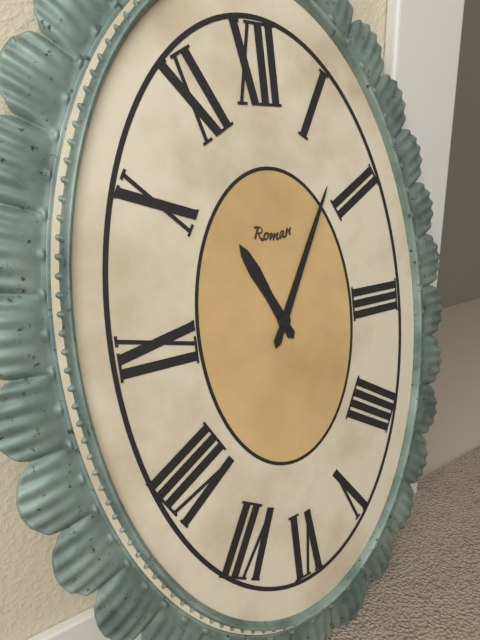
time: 11:05
